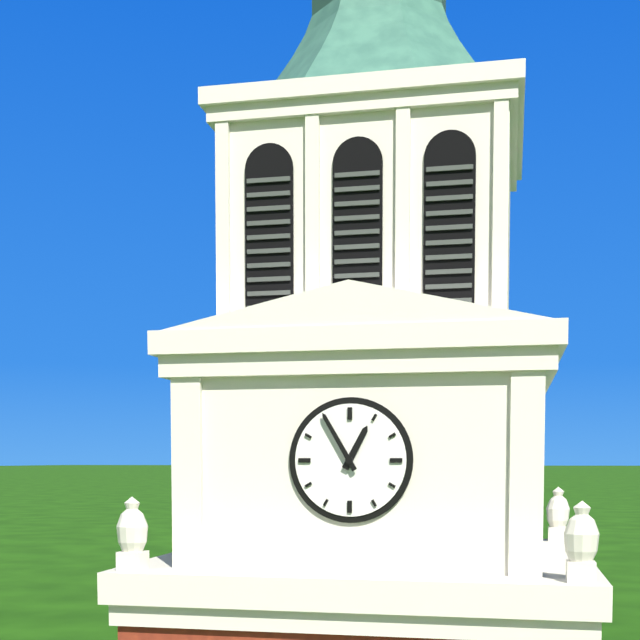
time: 12:55
